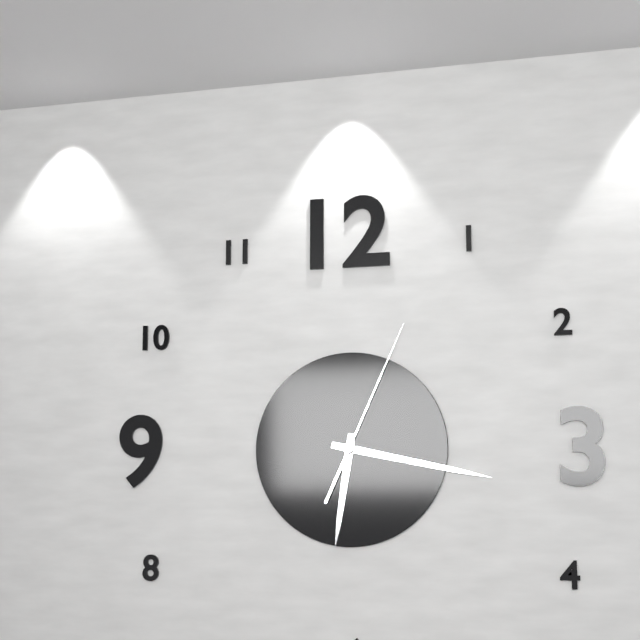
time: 6:17:04
